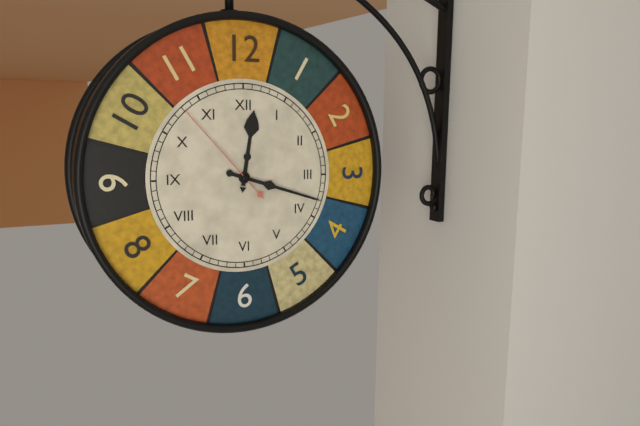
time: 12:18:53
